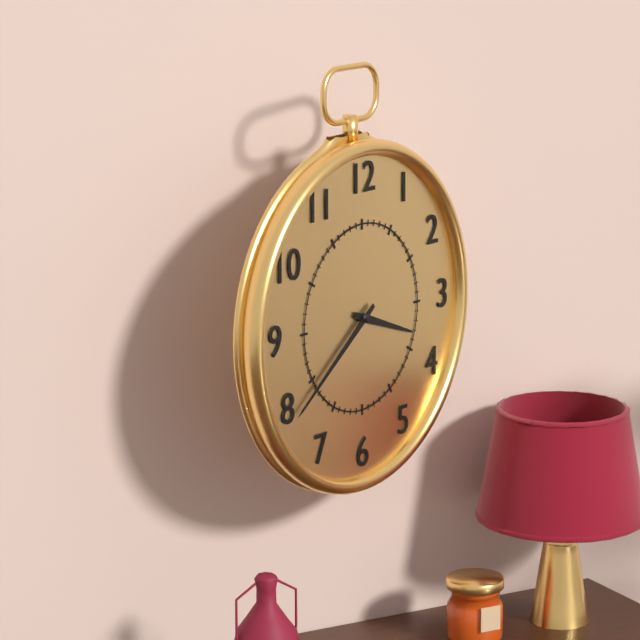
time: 3:39
